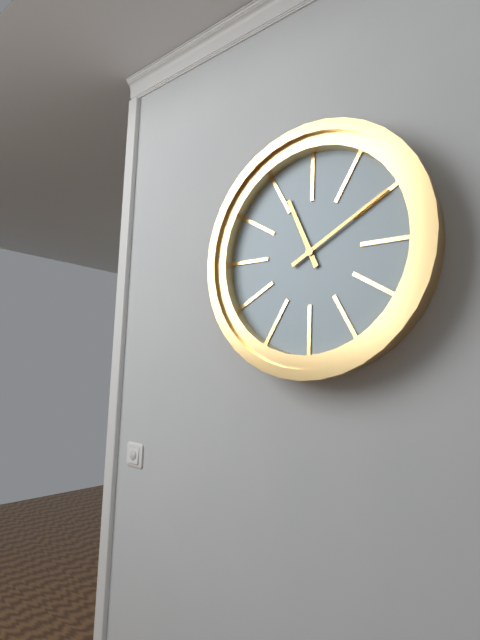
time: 11:10
